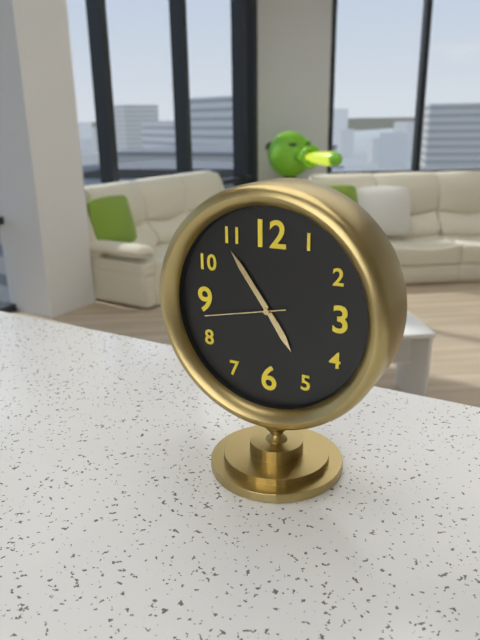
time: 4:54:43
